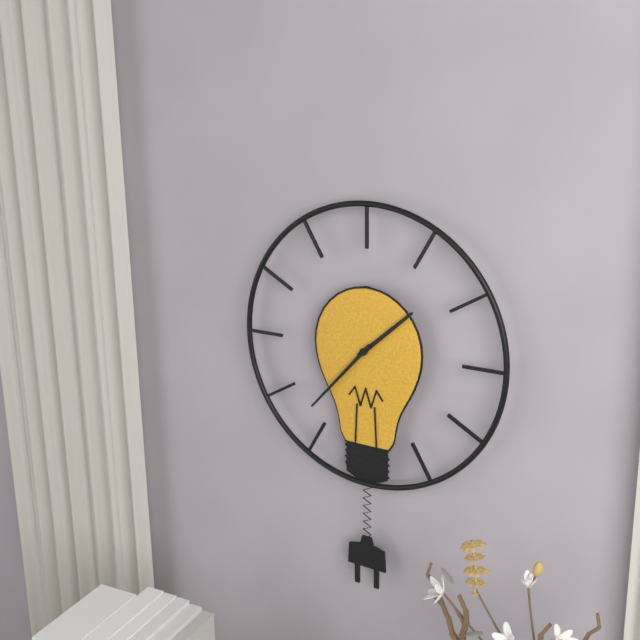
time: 1:37
